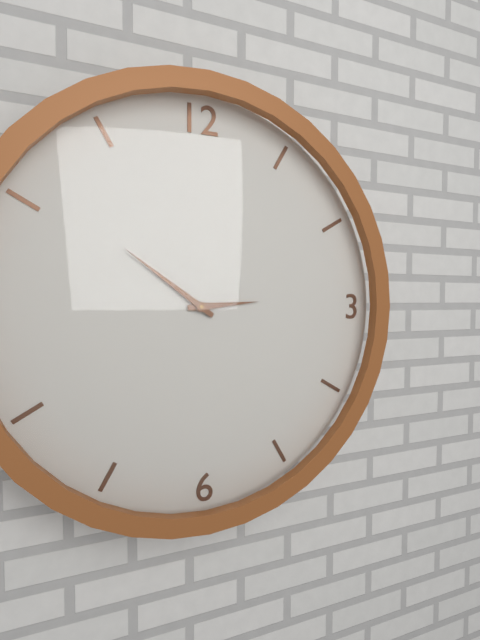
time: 2:51
